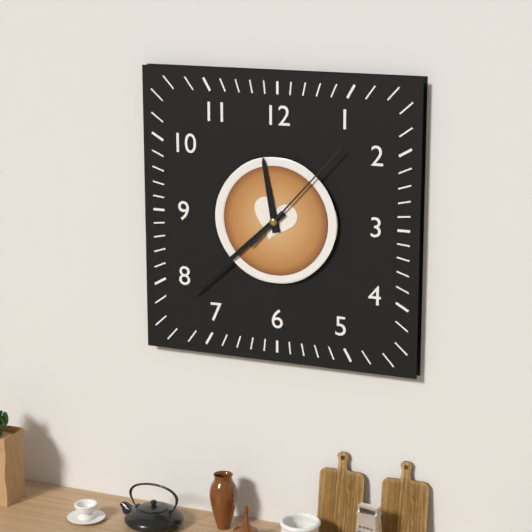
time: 11:38:07
